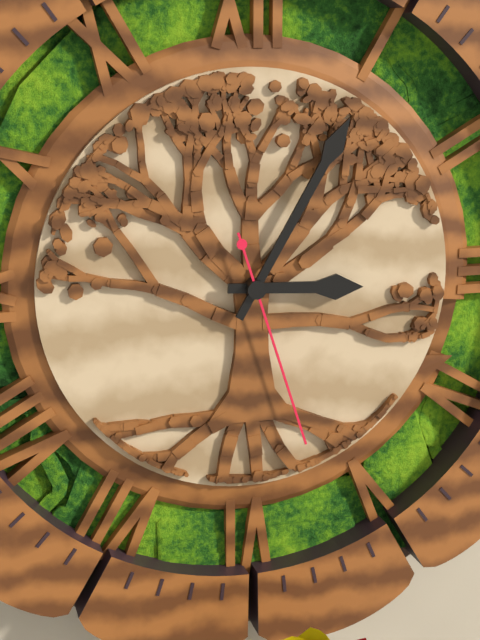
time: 3:05:27
